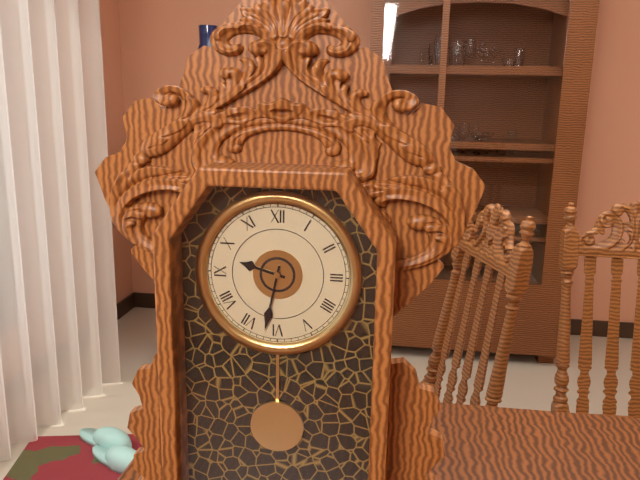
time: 9:32
